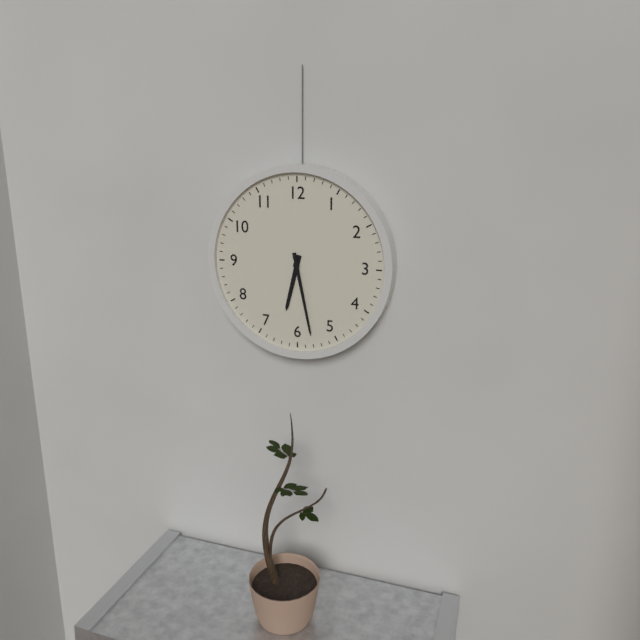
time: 6:28
